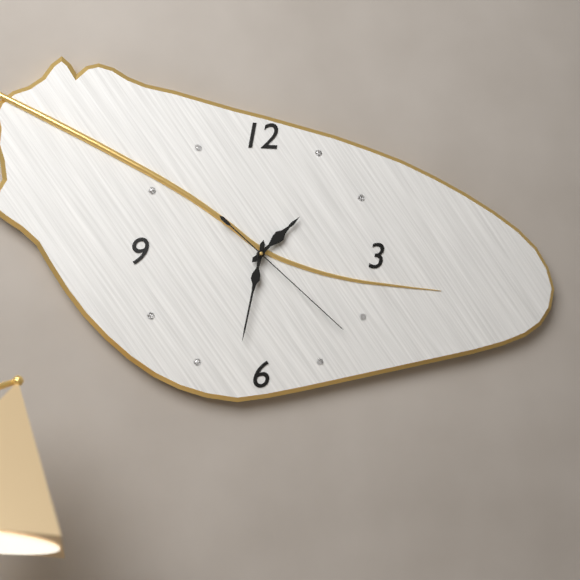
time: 1:32:22
